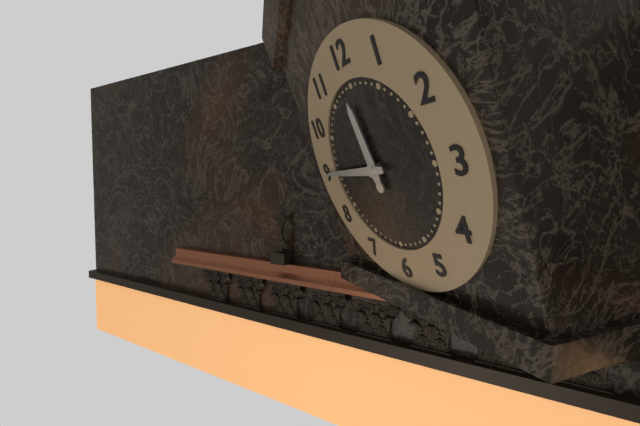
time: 11:45
